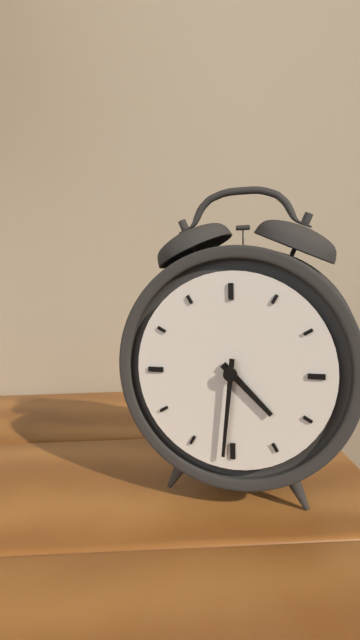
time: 4:31
